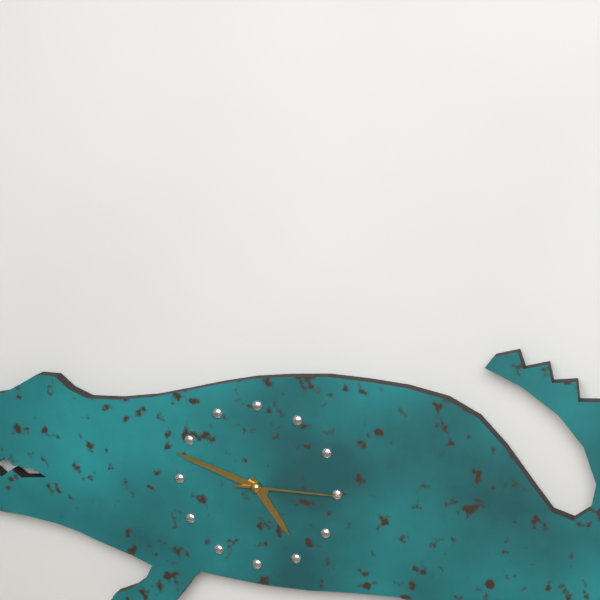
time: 4:48:15
